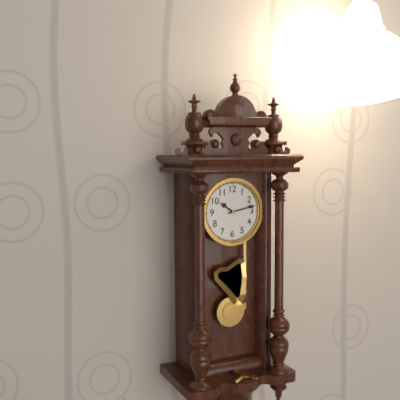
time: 10:13
